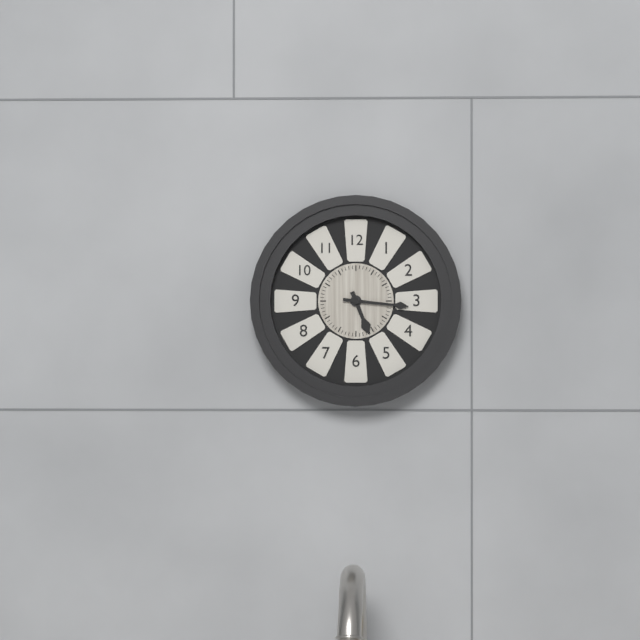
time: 5:16
